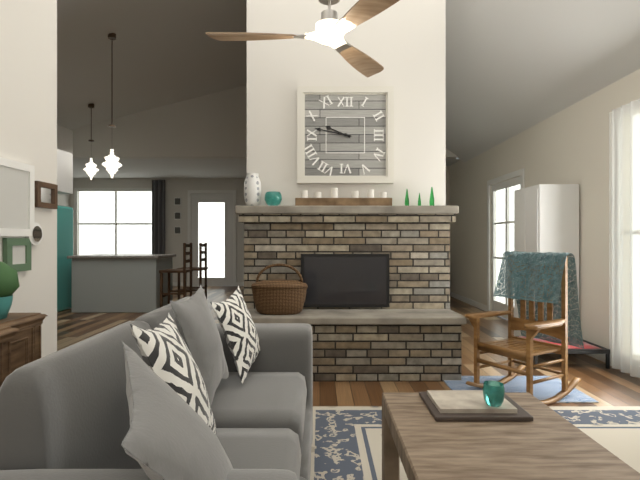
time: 9:47
